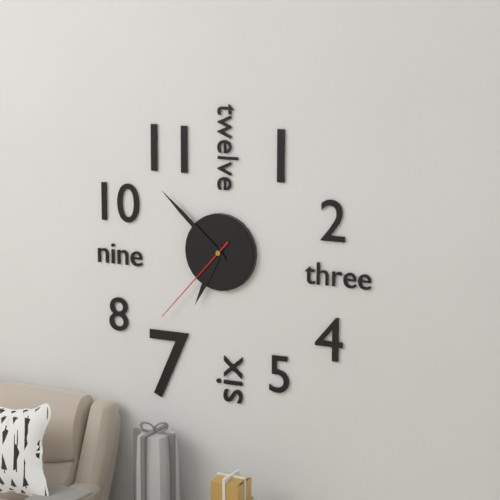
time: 6:52:37
